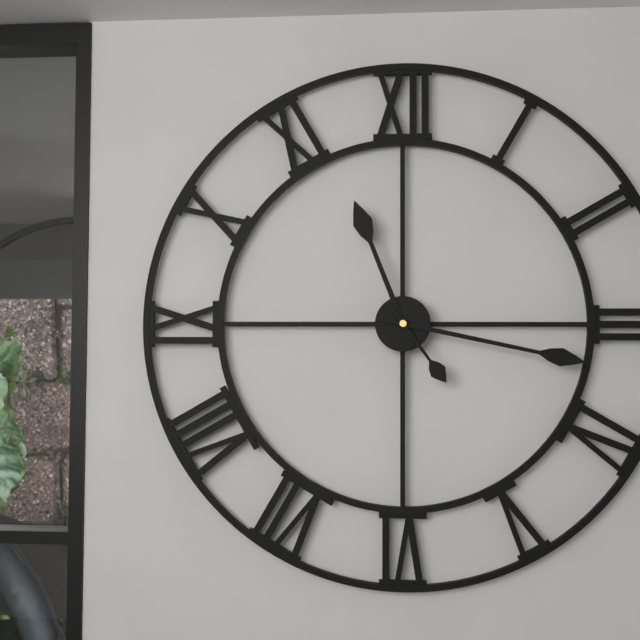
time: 11:17:24
